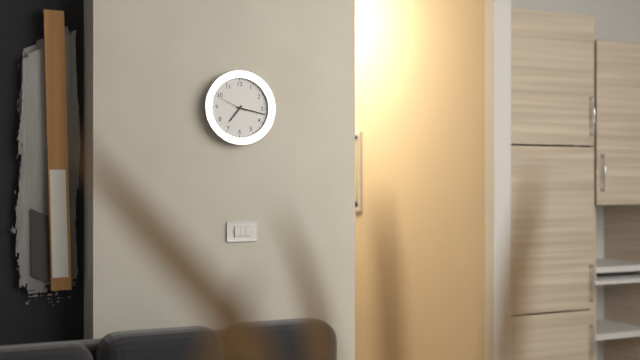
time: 7:17
